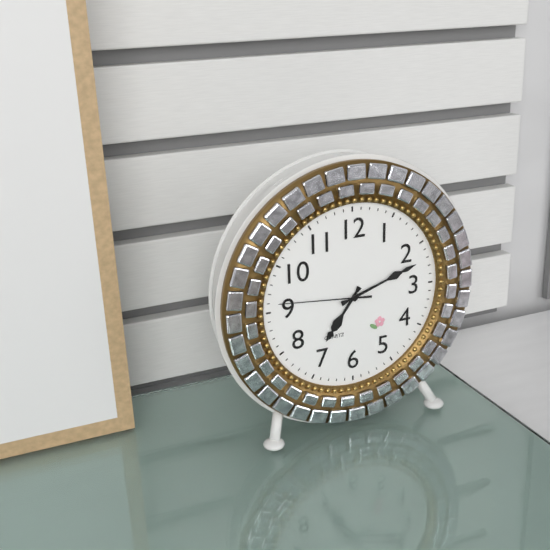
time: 7:12:46
